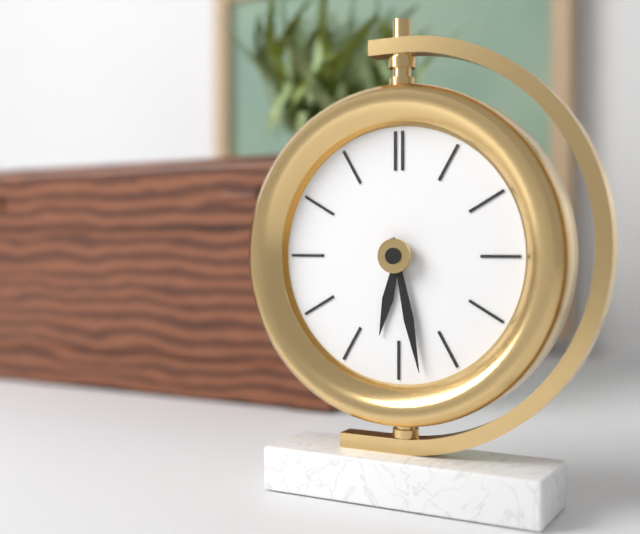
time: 6:28
